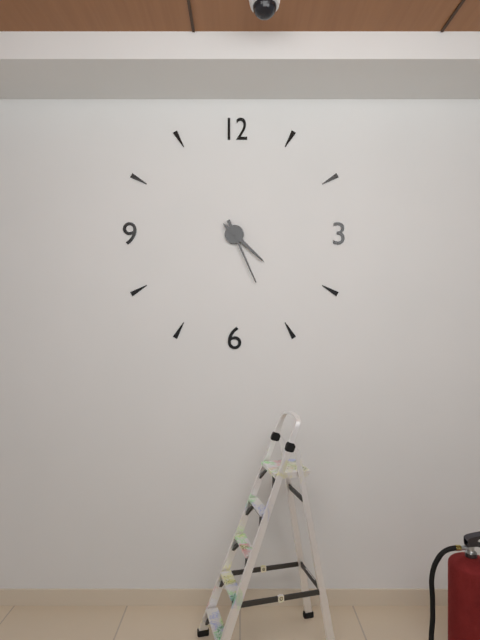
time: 4:26
